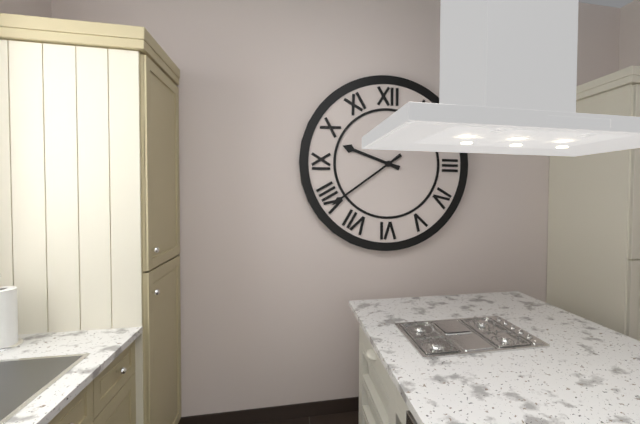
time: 9:39
